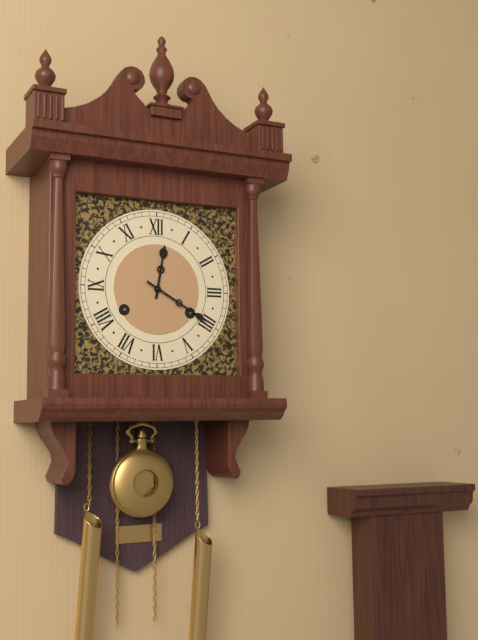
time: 12:20
